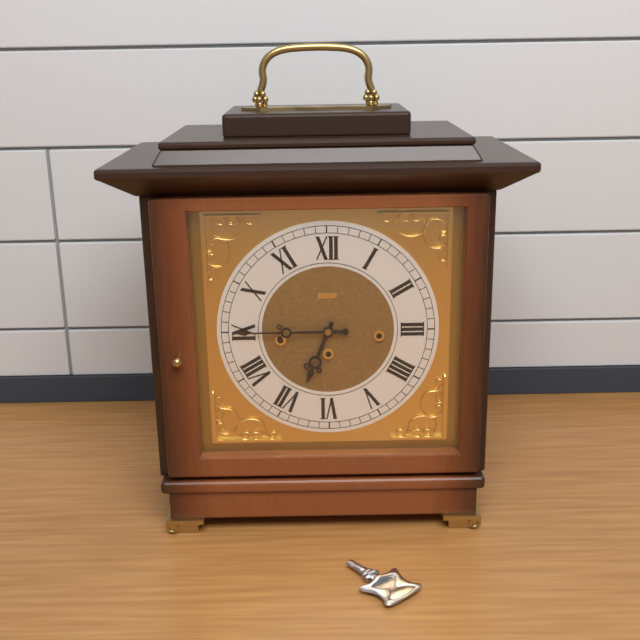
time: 6:45
